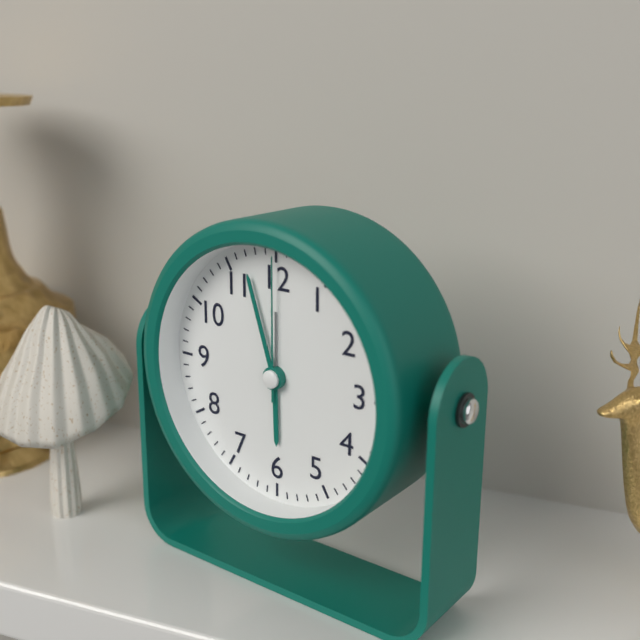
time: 5:57:00
